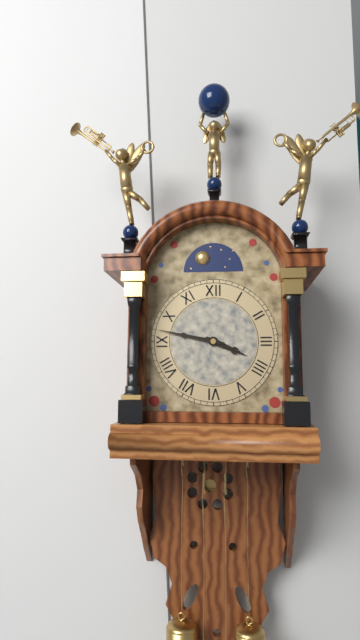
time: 3:47
